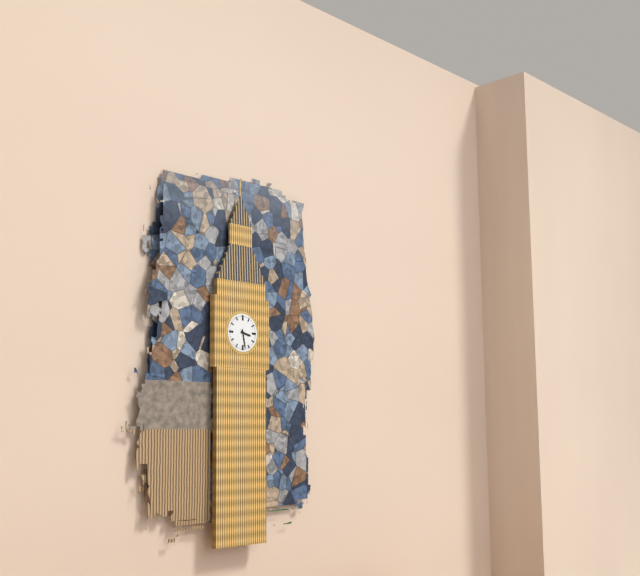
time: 3:28
